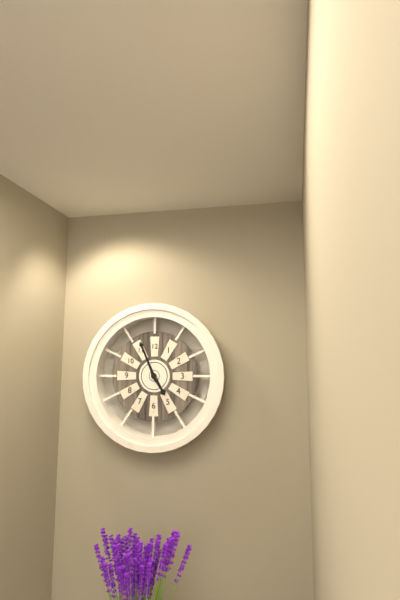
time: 4:56
